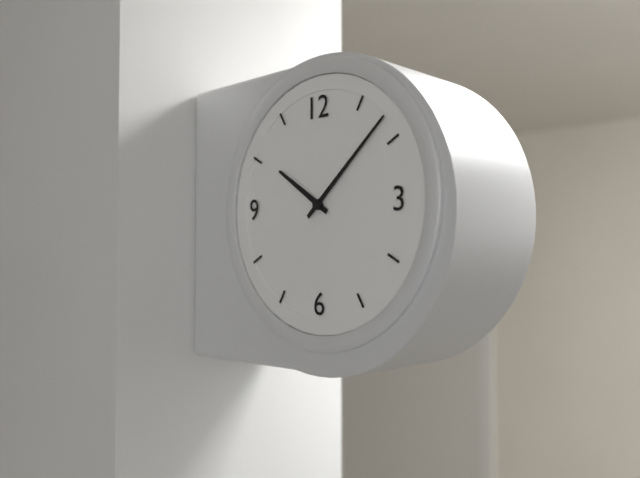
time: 10:08
